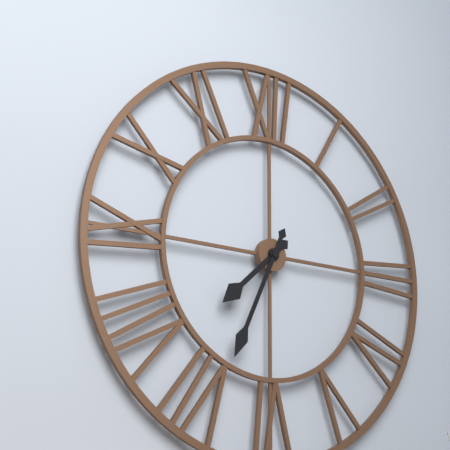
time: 7:34
